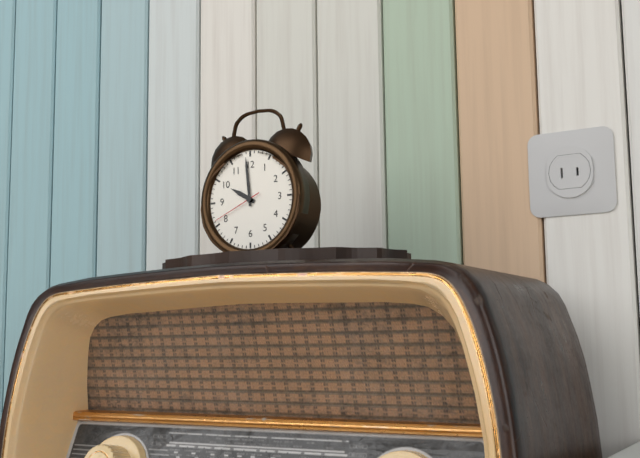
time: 9:59:41
